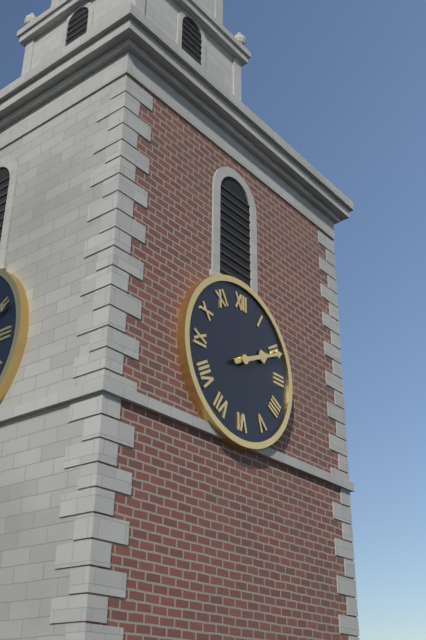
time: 2:11
